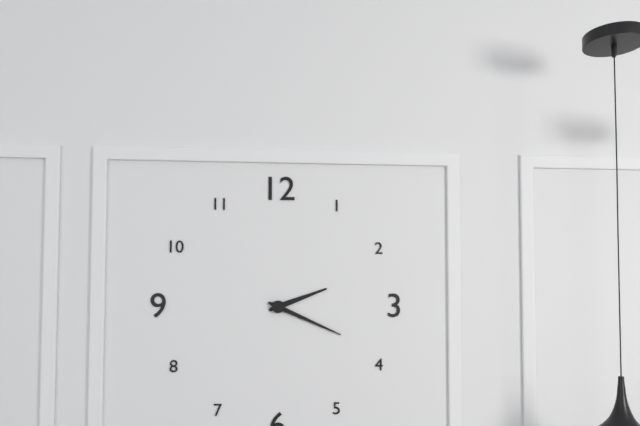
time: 2:19
